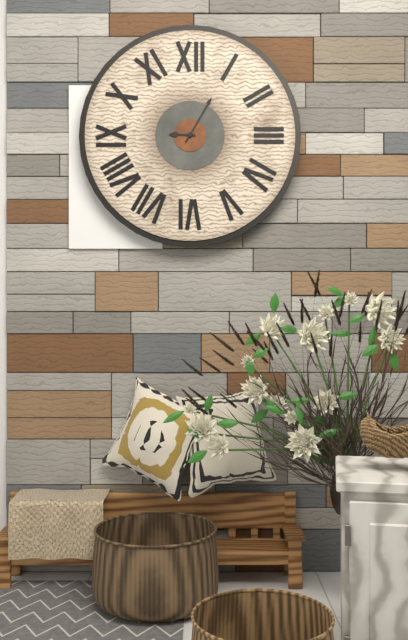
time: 9:05
